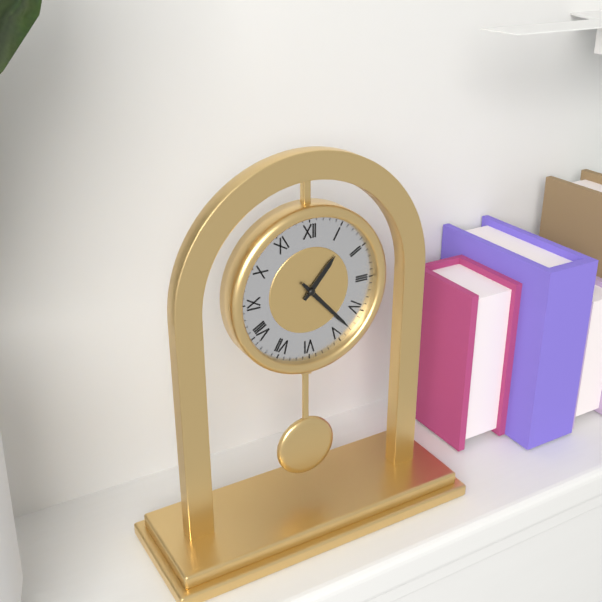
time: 1:23
